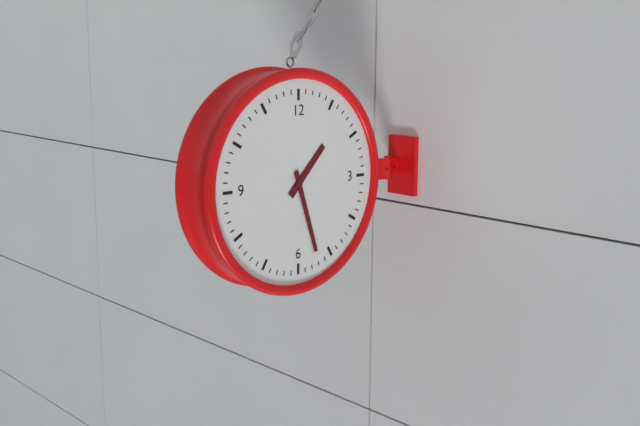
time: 1:27
